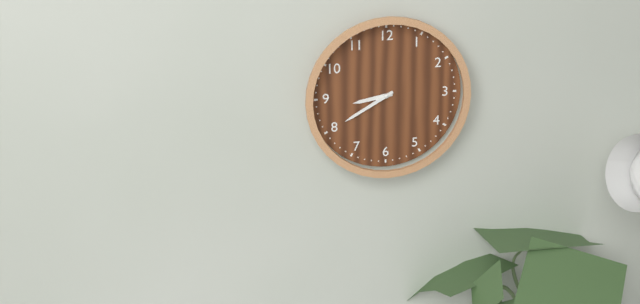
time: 8:40
